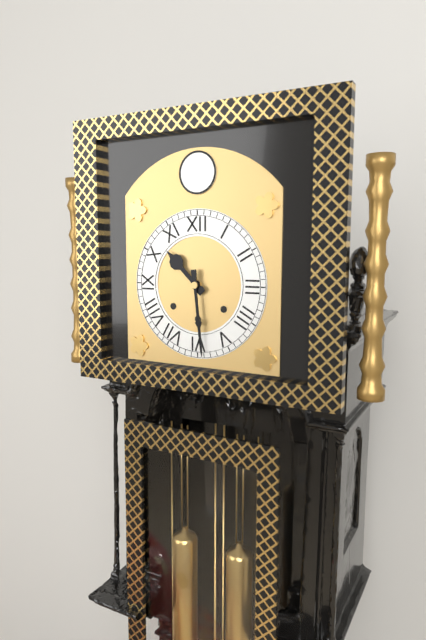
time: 10:29
